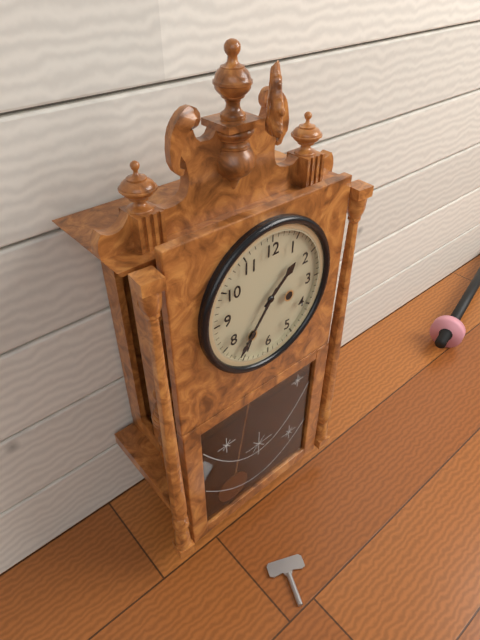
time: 1:36
